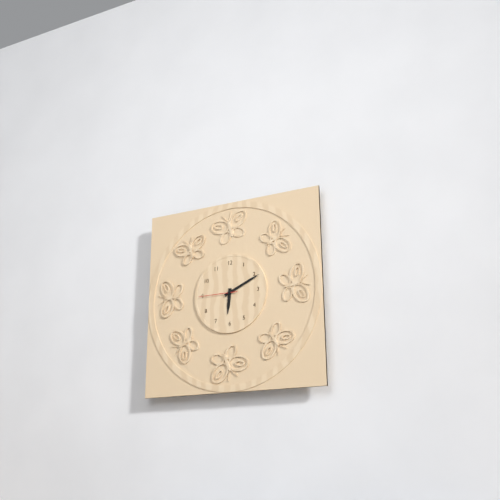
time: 6:11
